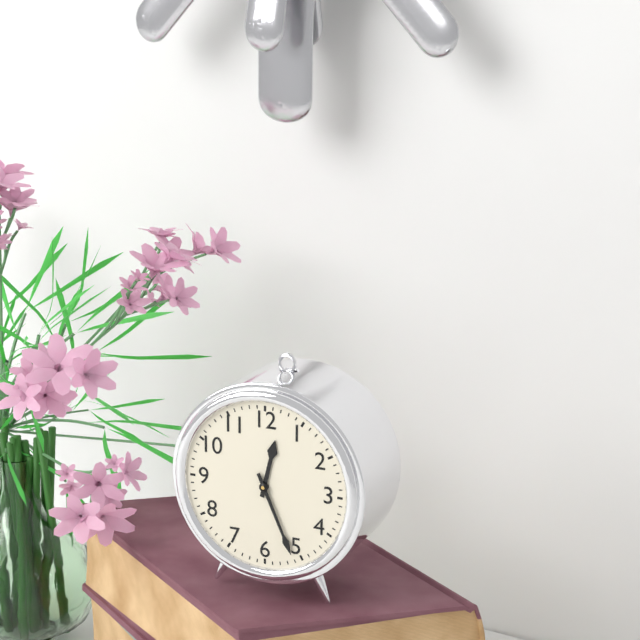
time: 12:26
